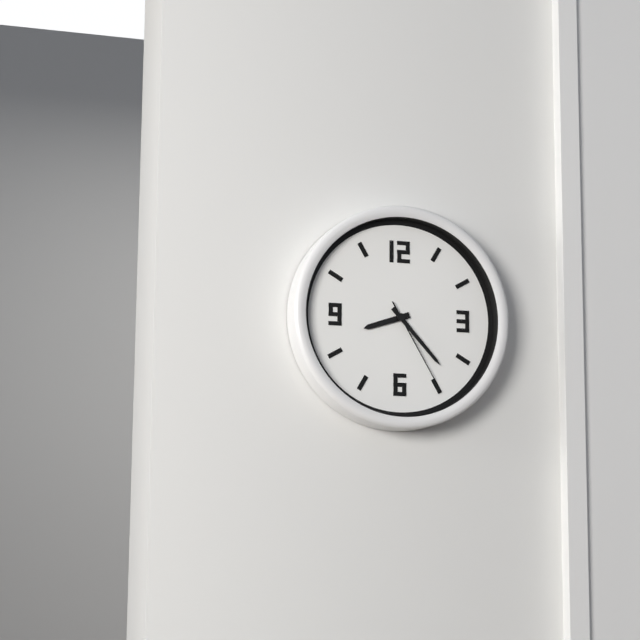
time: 8:23:25
